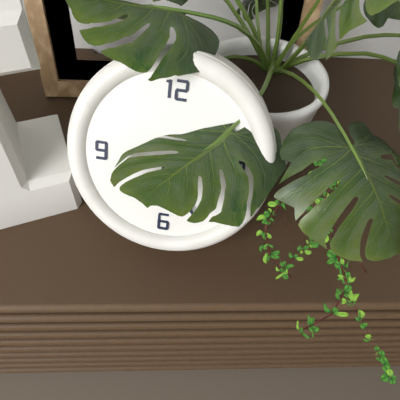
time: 6:25
